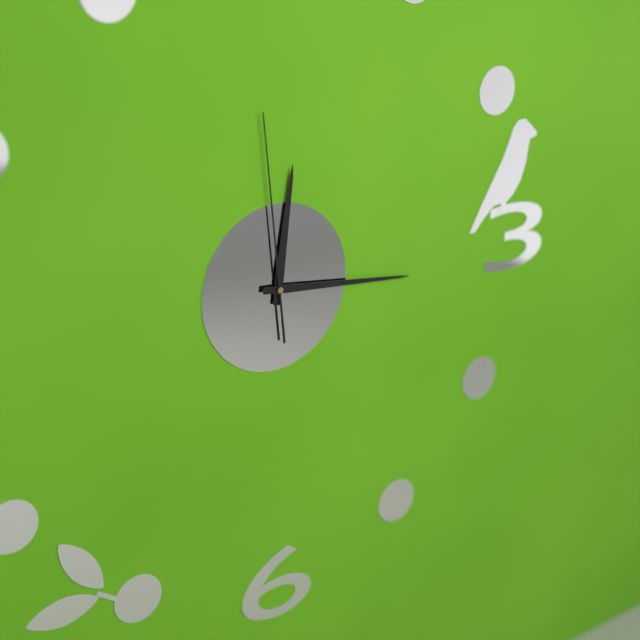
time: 12:16:59
